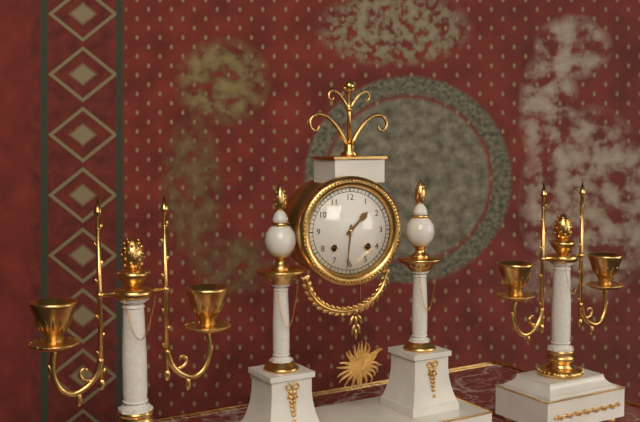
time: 1:31
